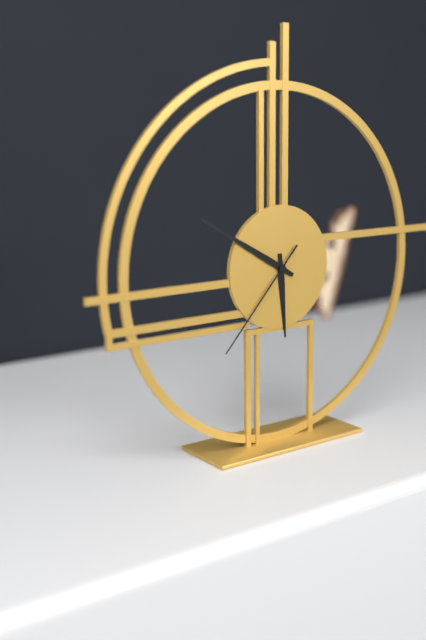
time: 5:50:37
